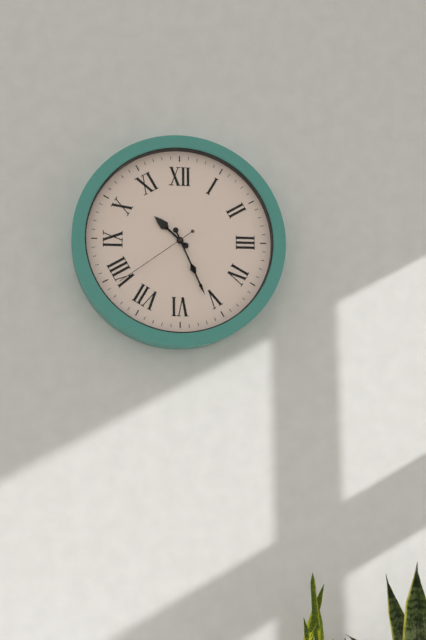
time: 10:26:39
